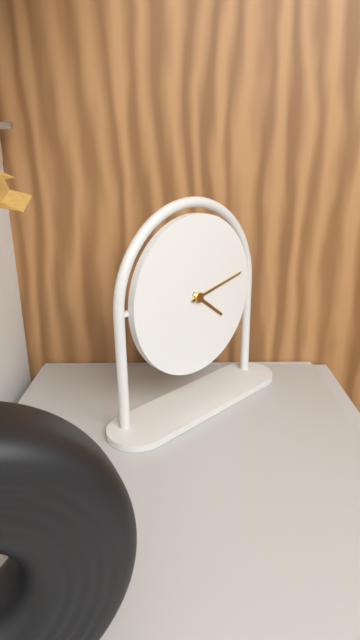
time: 4:13
